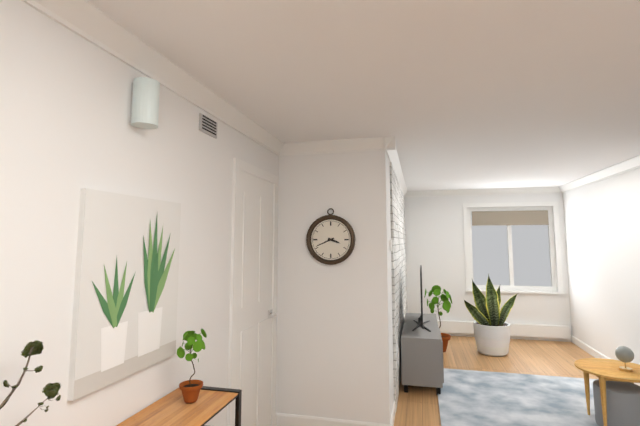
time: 3:41
